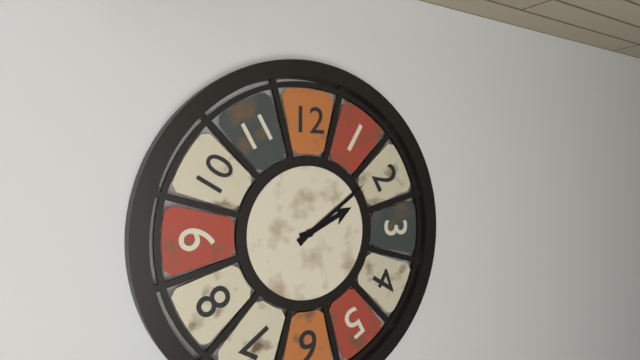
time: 2:09
